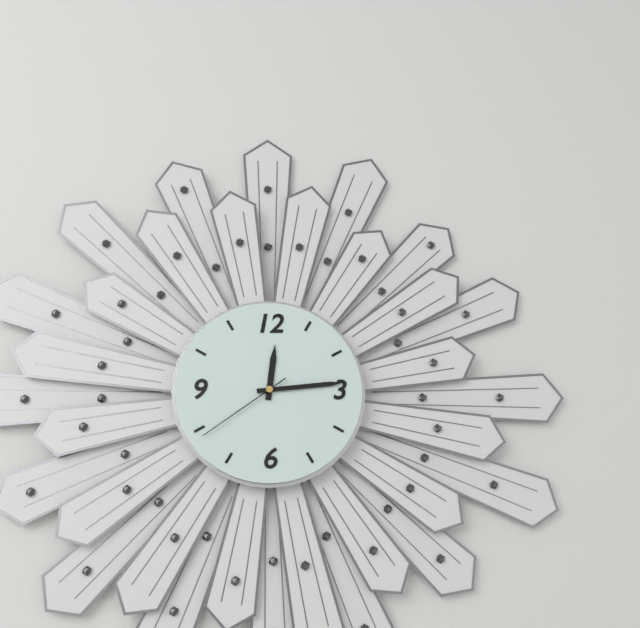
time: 12:14:39
